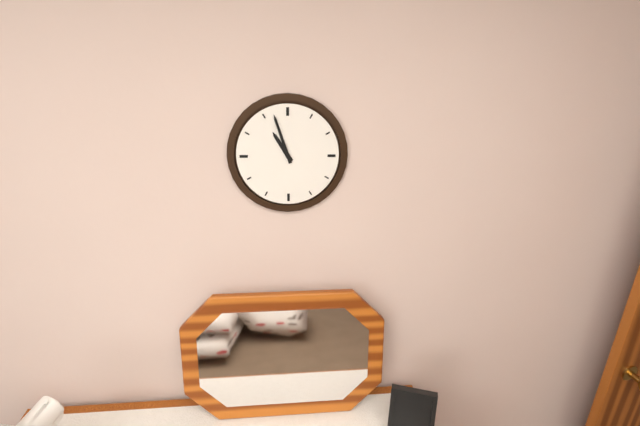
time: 10:57
